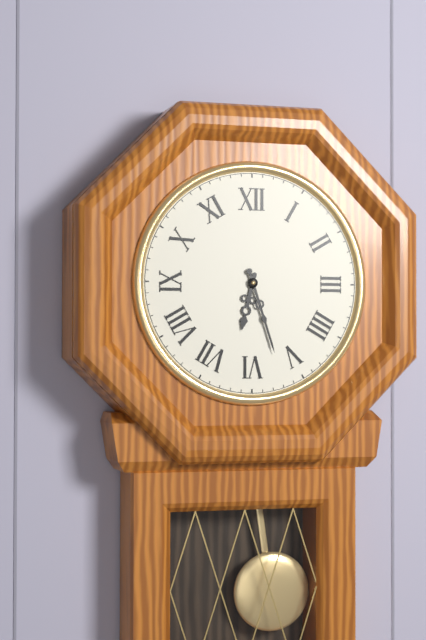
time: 6:27
